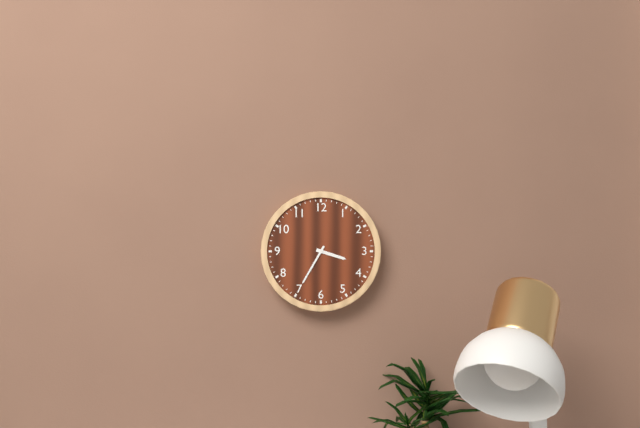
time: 3:35
